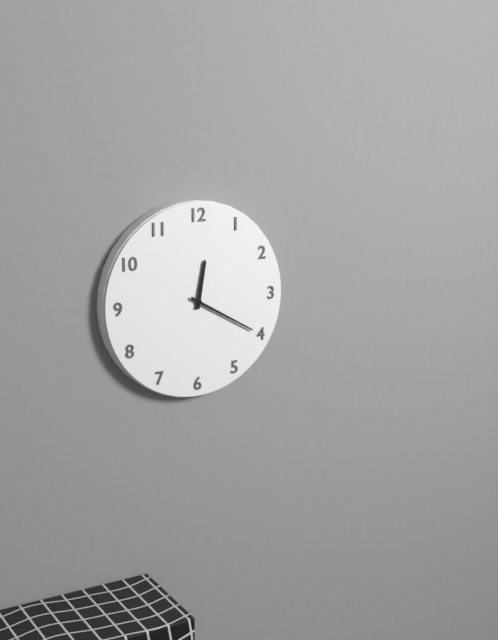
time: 12:20
